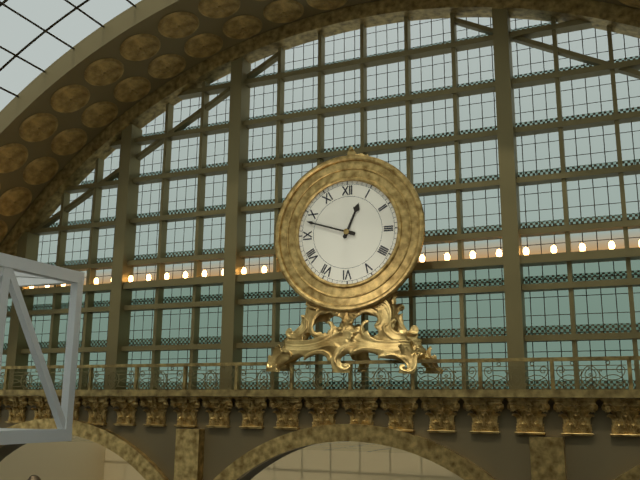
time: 12:48
